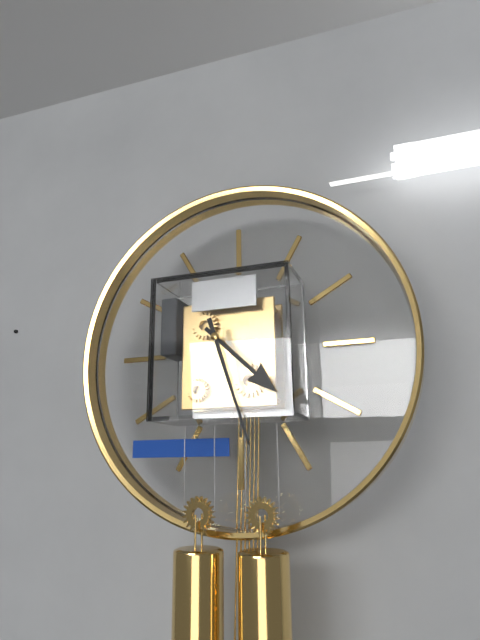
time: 4:27
